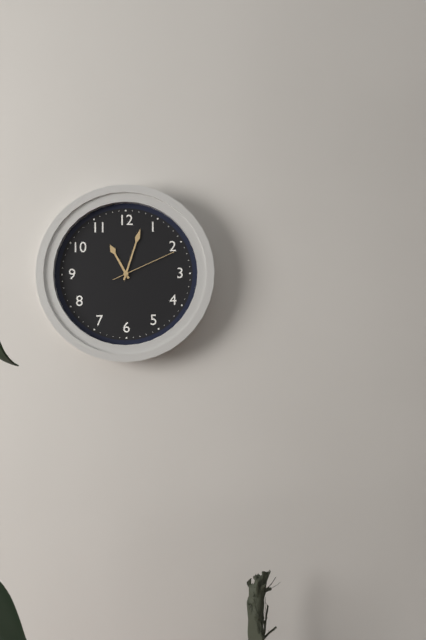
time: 11:03:11
